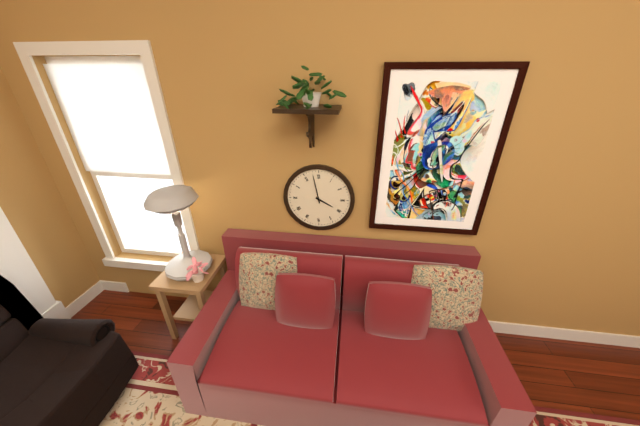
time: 3:58
